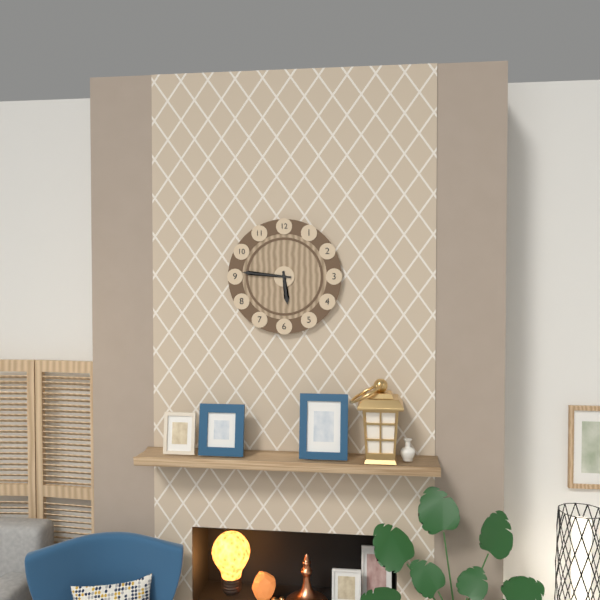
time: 5:46
